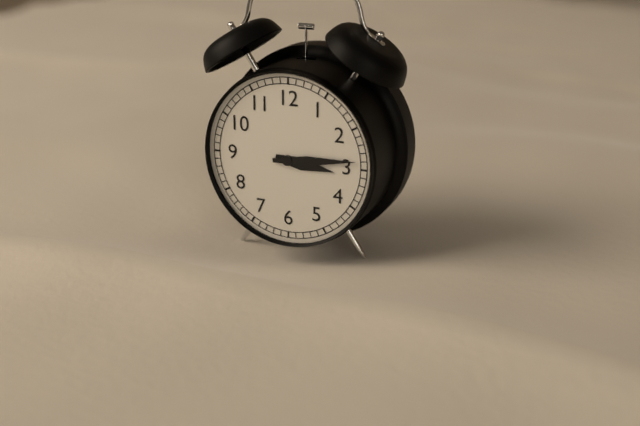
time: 3:14
